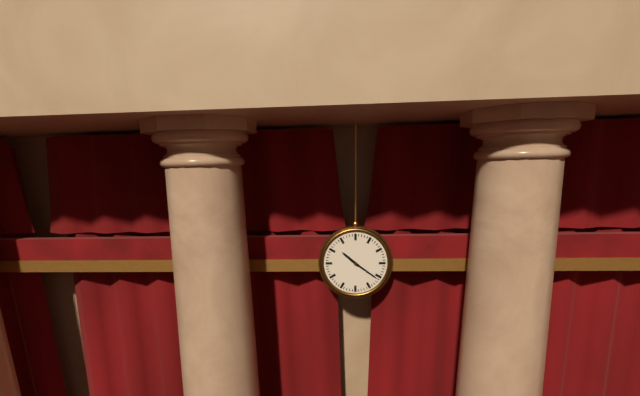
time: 10:21
